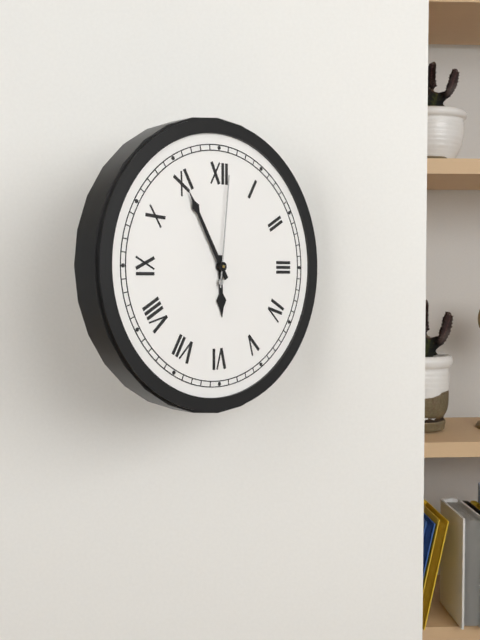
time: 5:55:01
